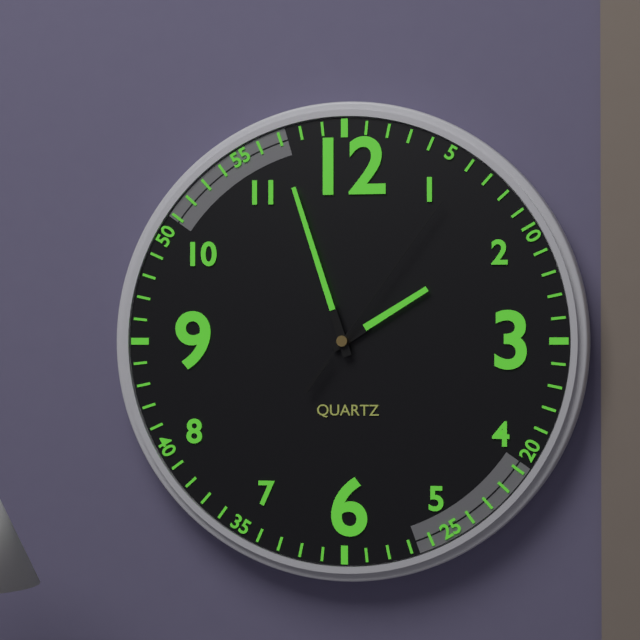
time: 1:57:06
